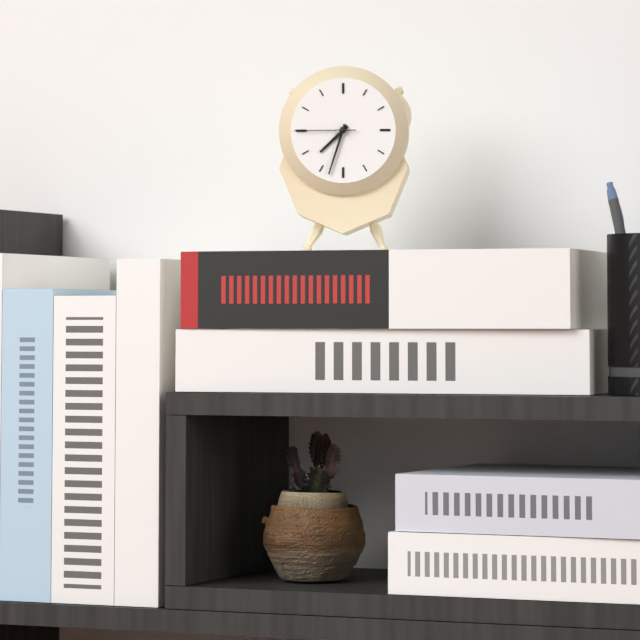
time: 7:33:45
